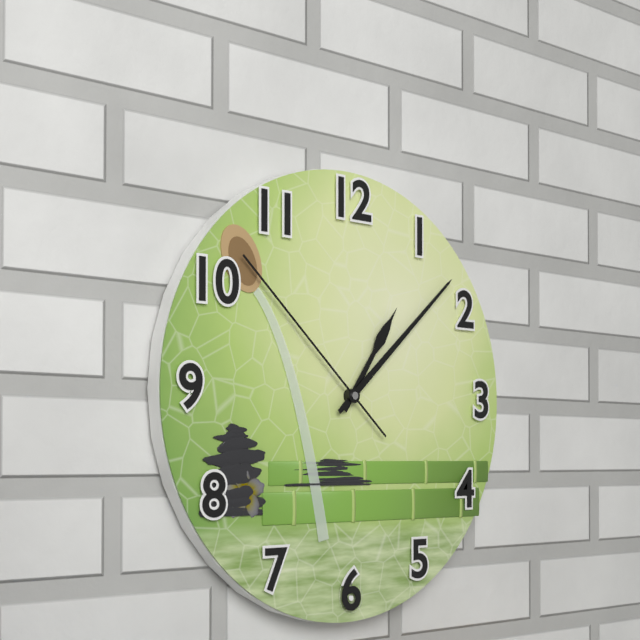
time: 1:08:52
